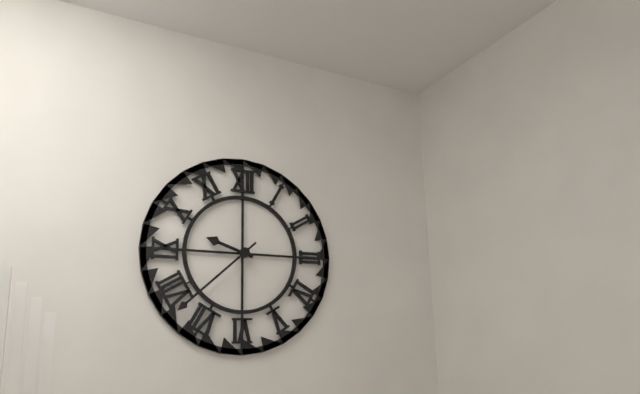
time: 9:38
